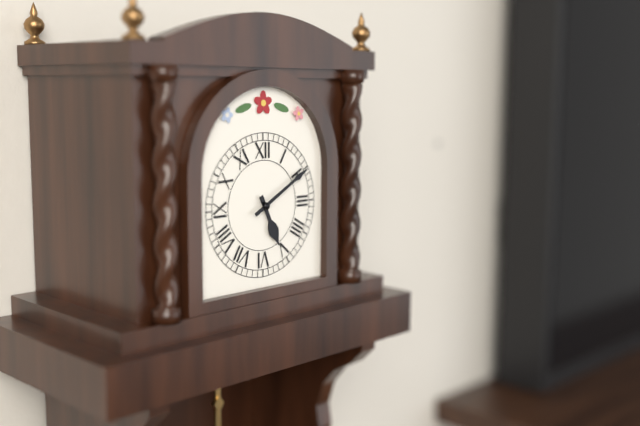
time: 5:10
